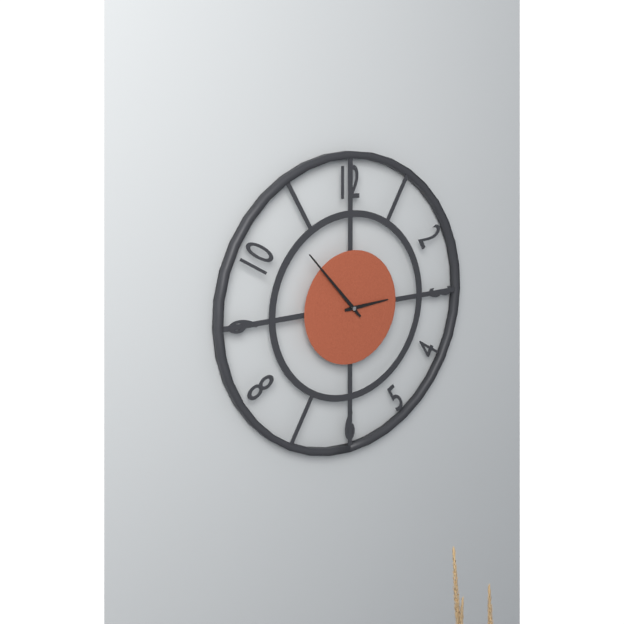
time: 2:53
